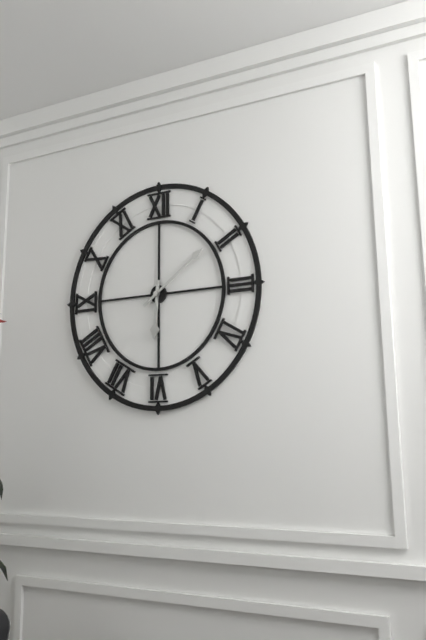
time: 6:09
